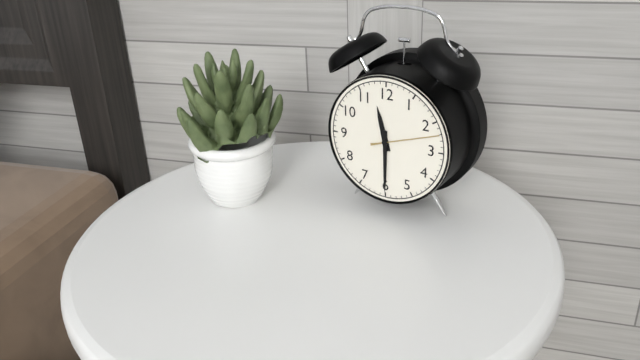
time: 11:30:12
